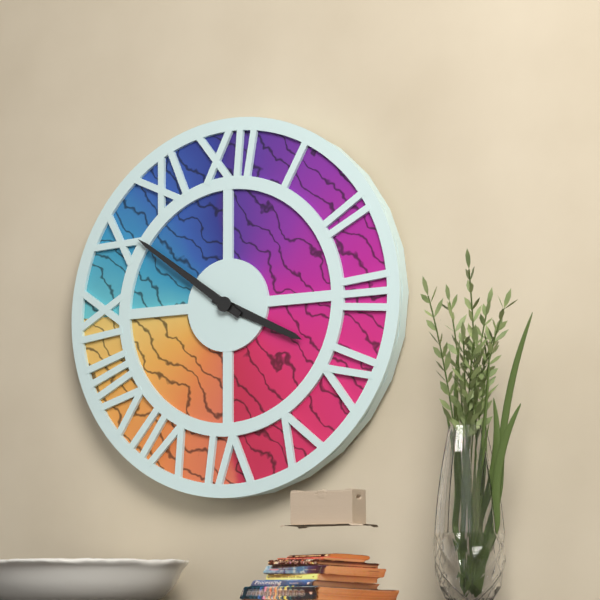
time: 3:51
